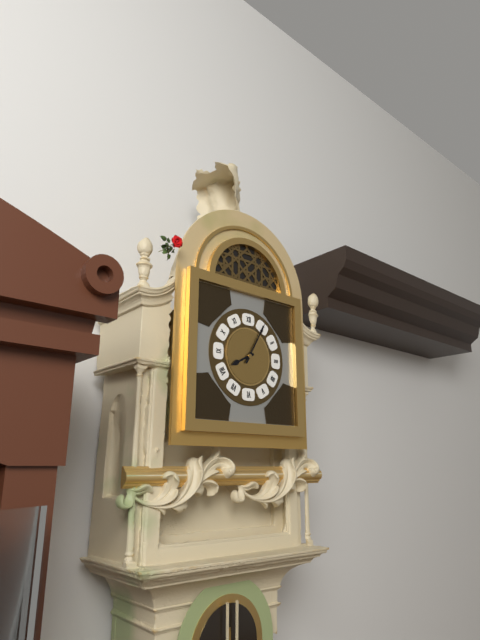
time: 8:05
